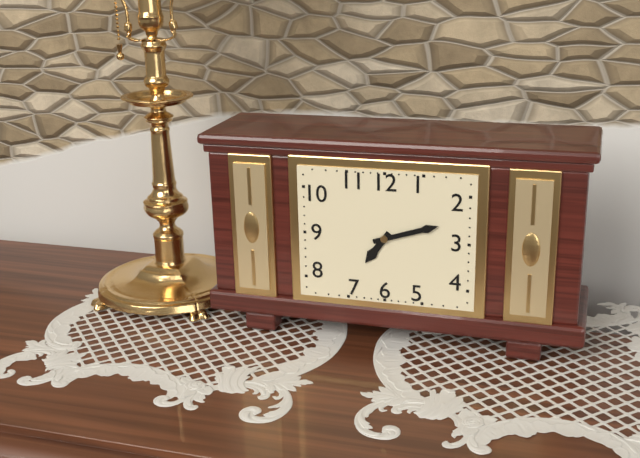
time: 7:12
